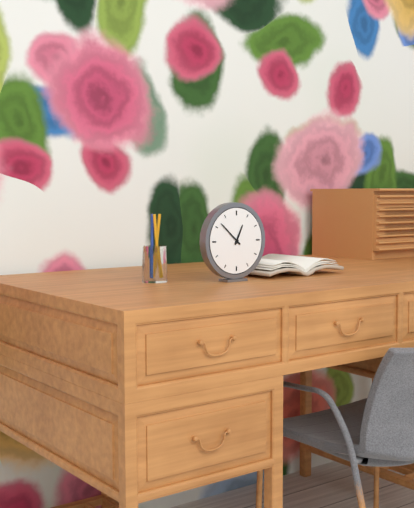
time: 12:52
